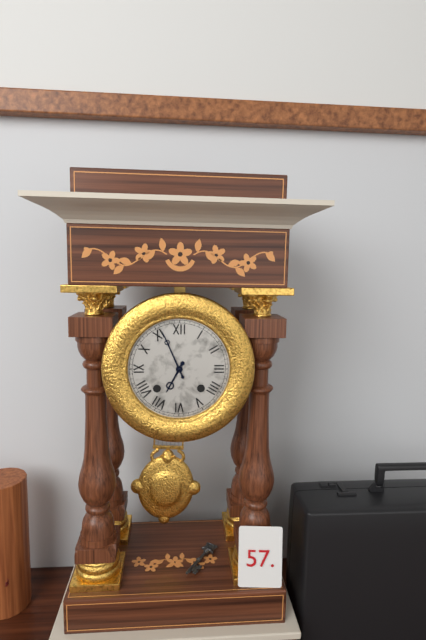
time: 6:56
